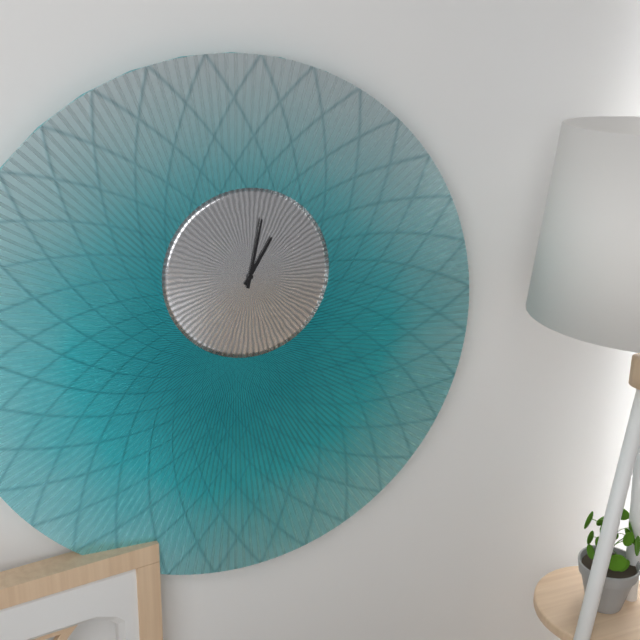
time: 1:02
